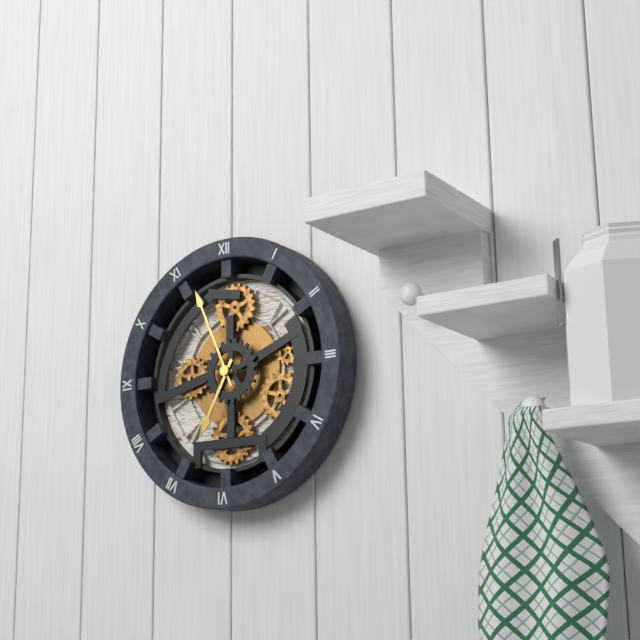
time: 6:56
